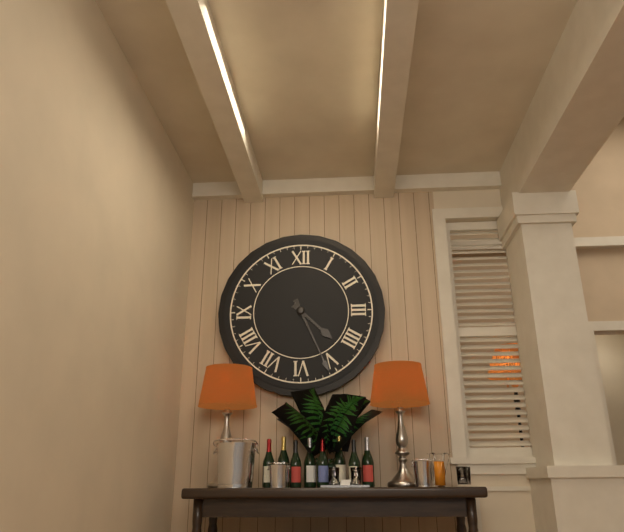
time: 4:26
